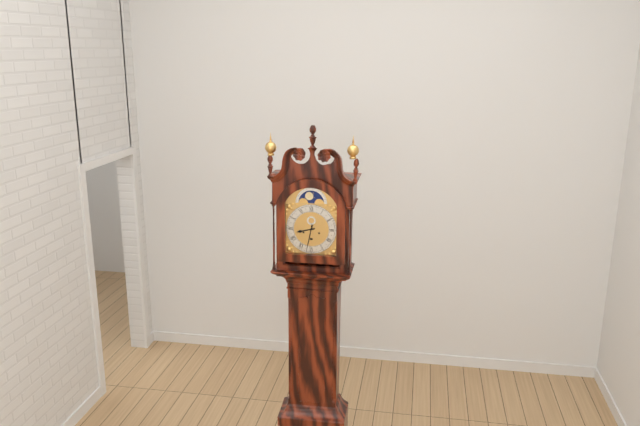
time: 8:32
